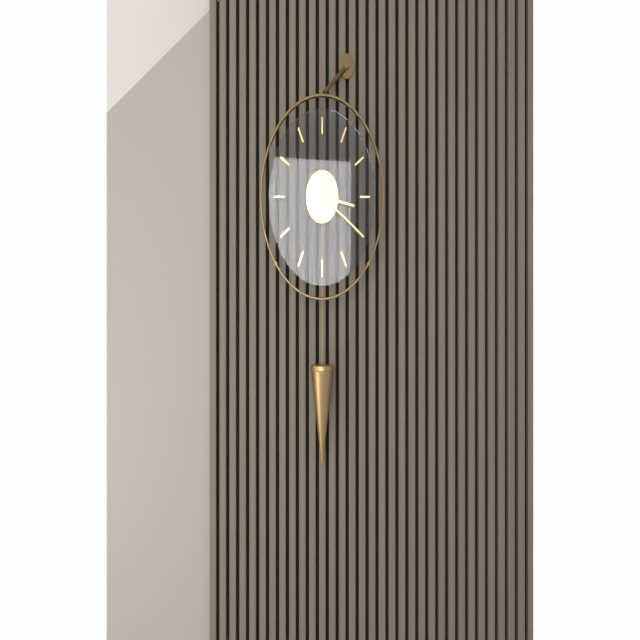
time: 3:20
